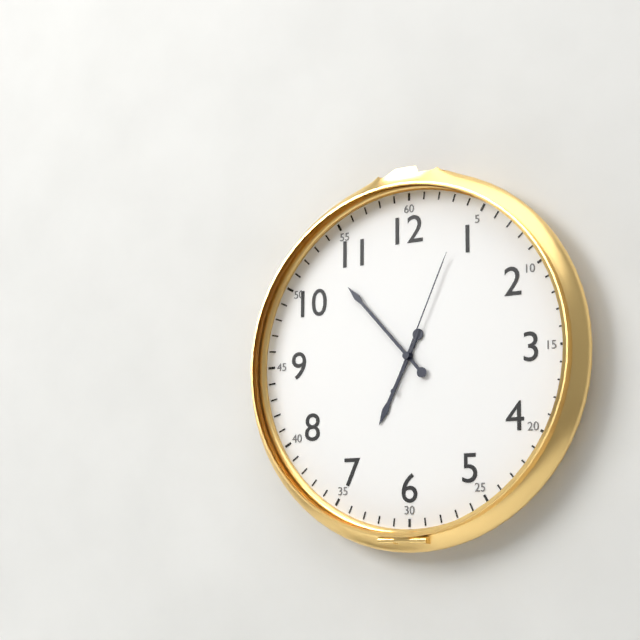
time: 6:53:04
